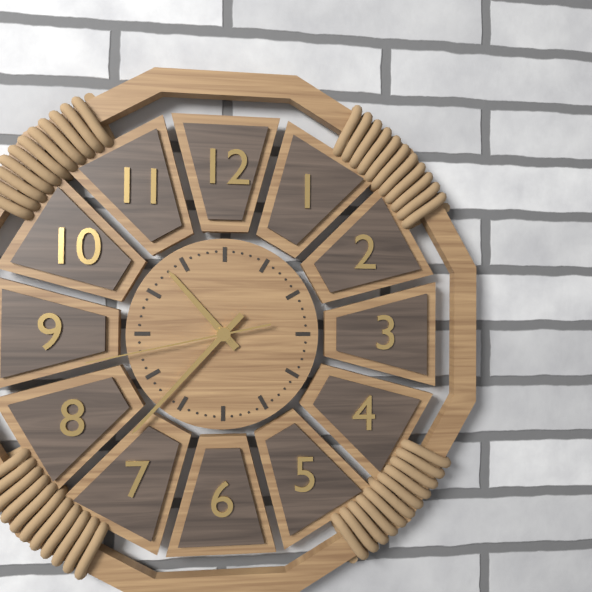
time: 10:37:43
